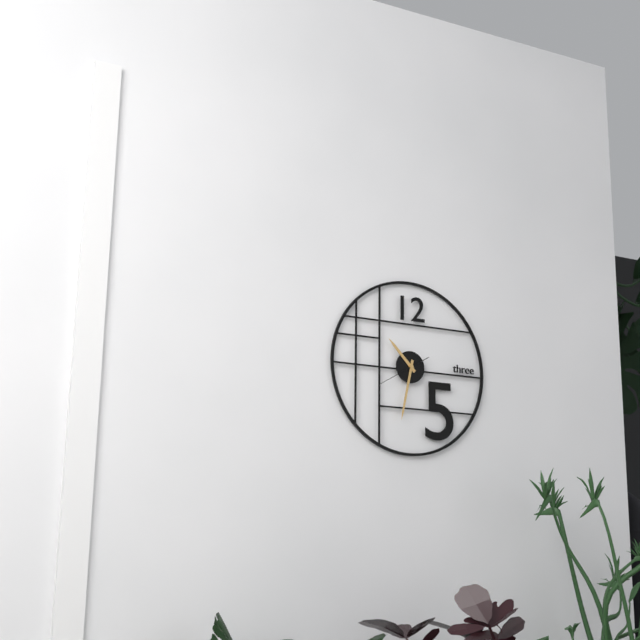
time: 10:32
